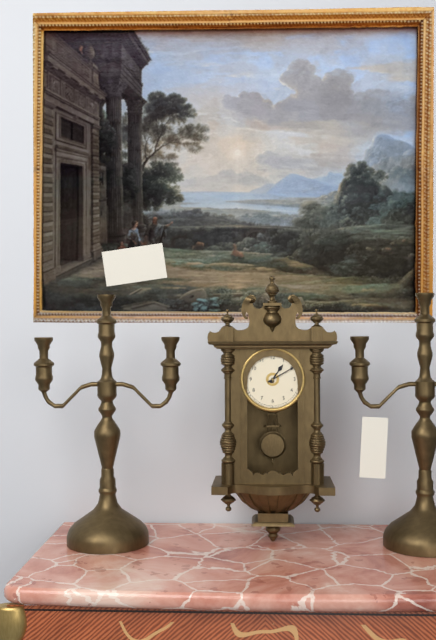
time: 1:10
